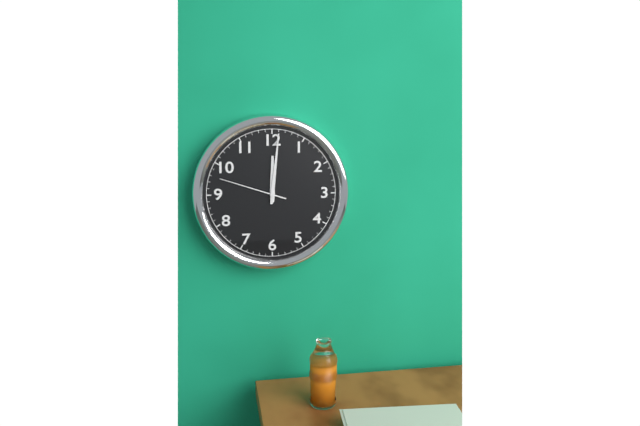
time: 12:01:48
